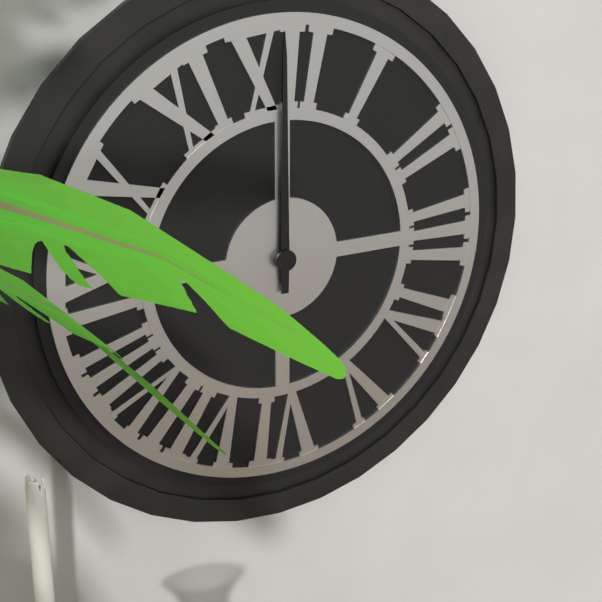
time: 12:00
